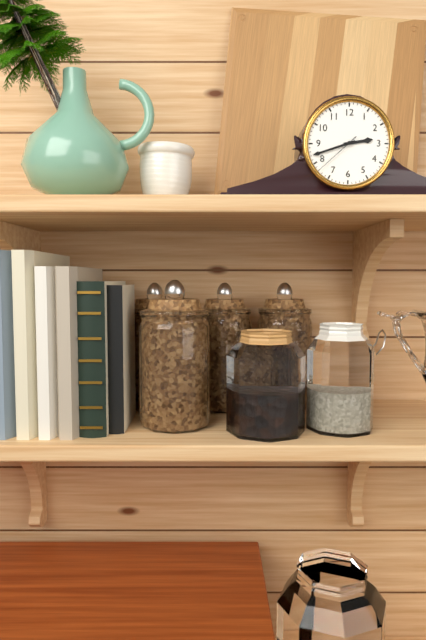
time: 2:42
